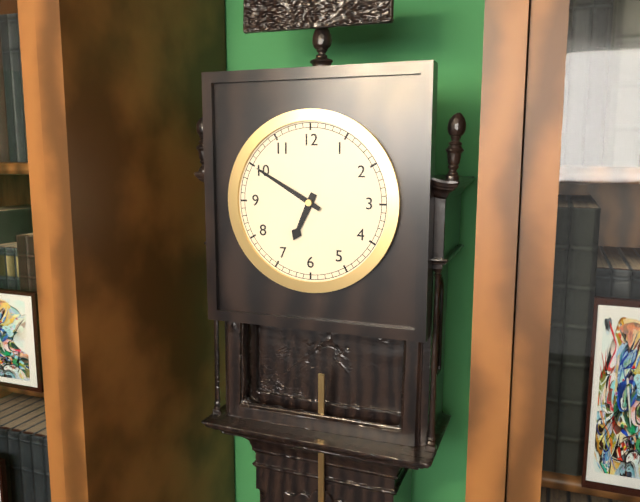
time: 6:50
